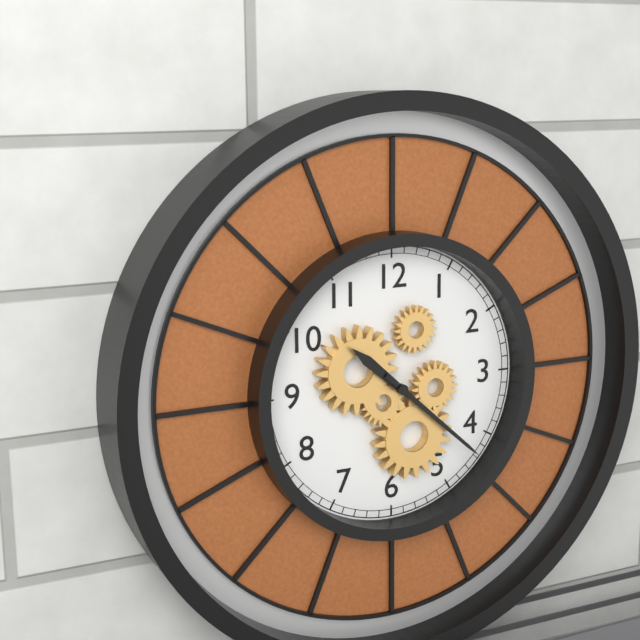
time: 10:22
